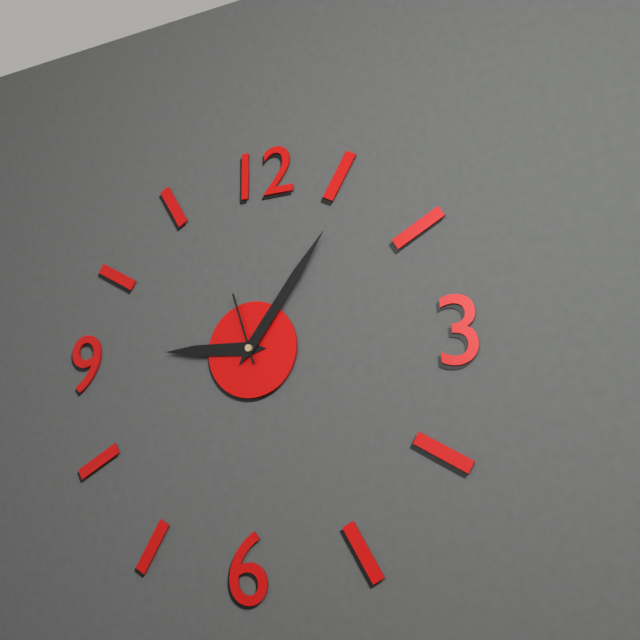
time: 9:06:57
